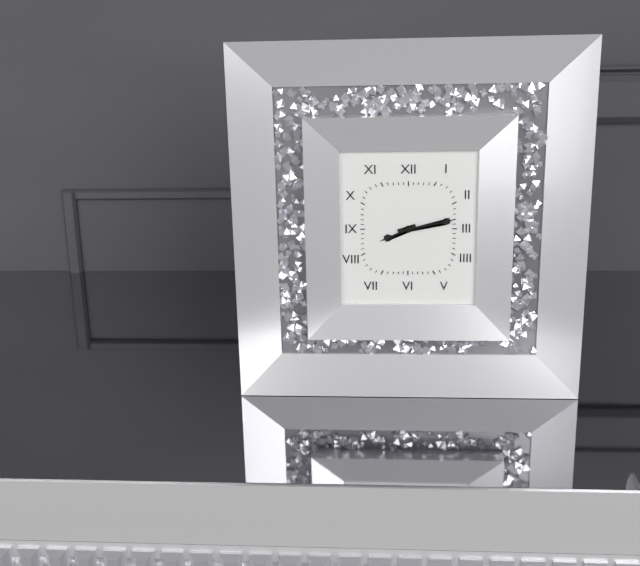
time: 8:13
